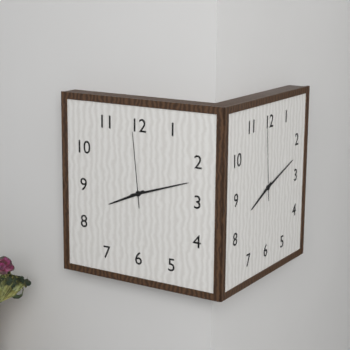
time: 8:12:59
